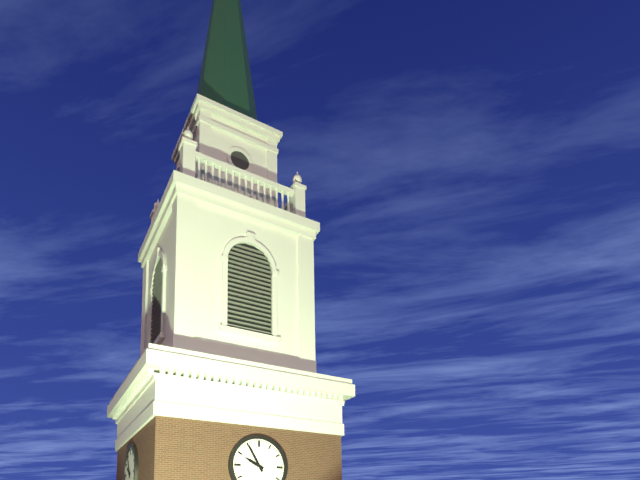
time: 9:55
